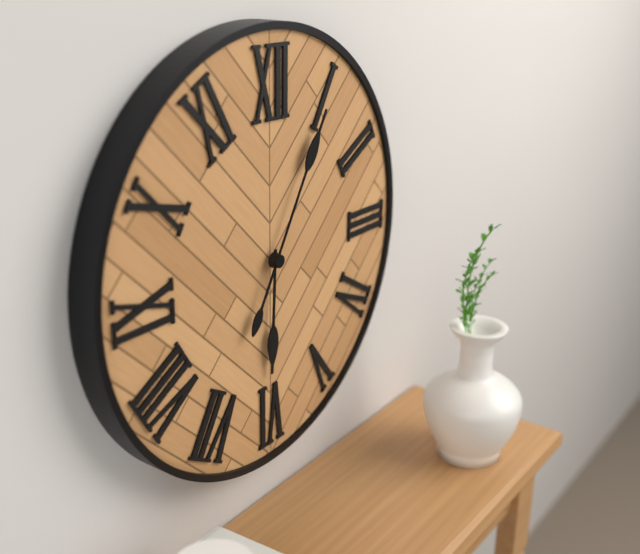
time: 6:05
